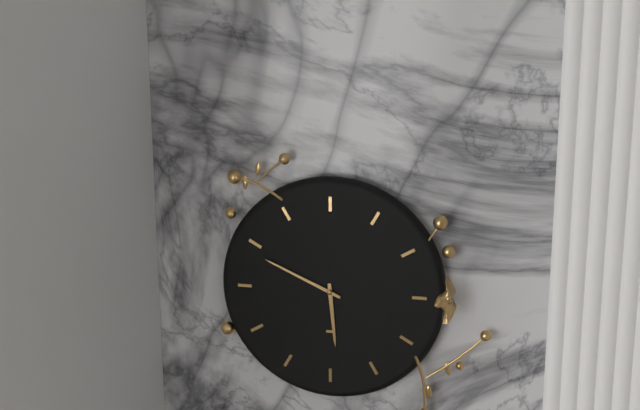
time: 5:49
